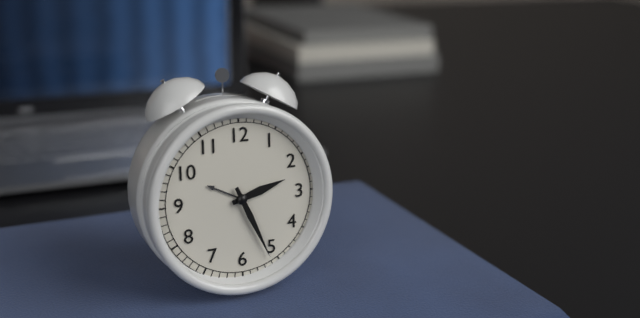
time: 2:26
